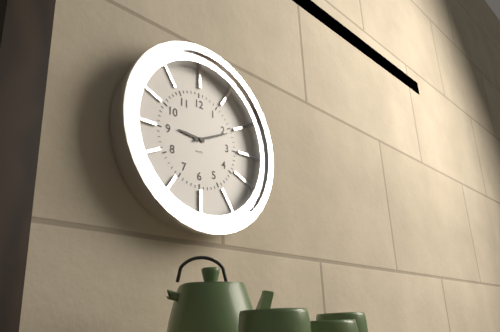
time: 9:11
